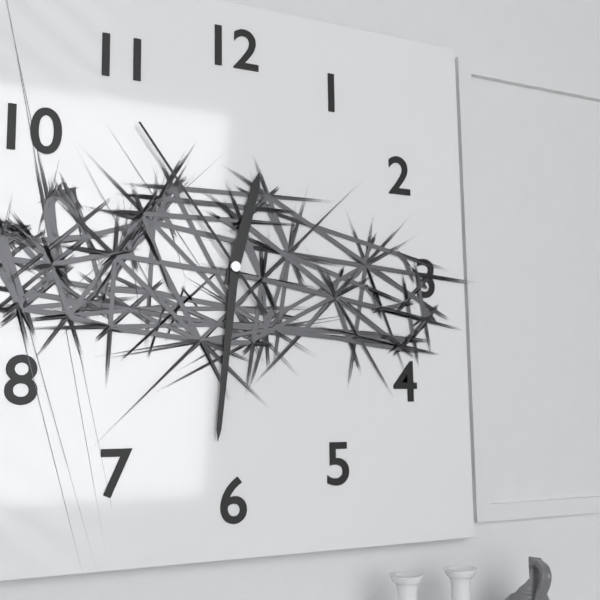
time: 12:31:54
